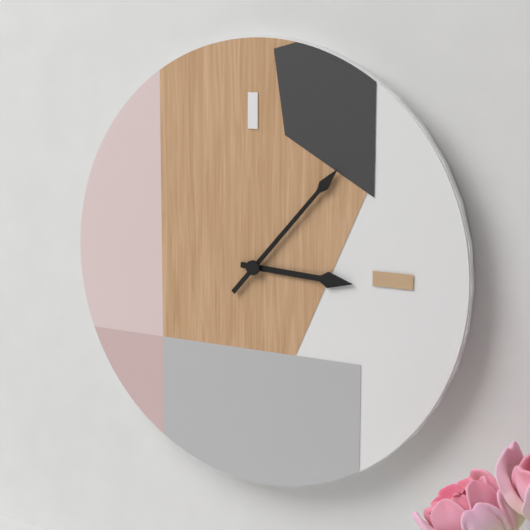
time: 3:07
